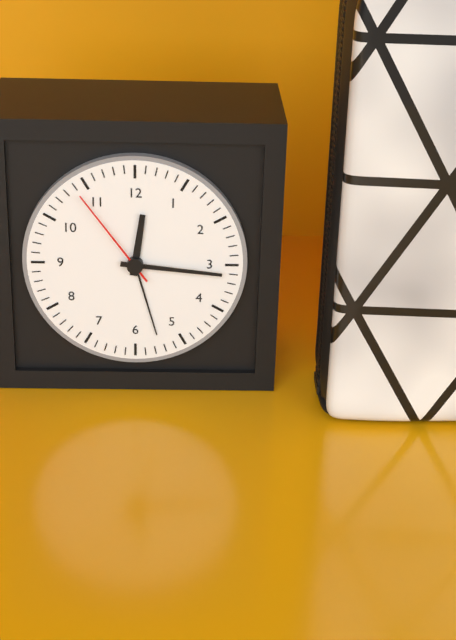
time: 12:16:54
